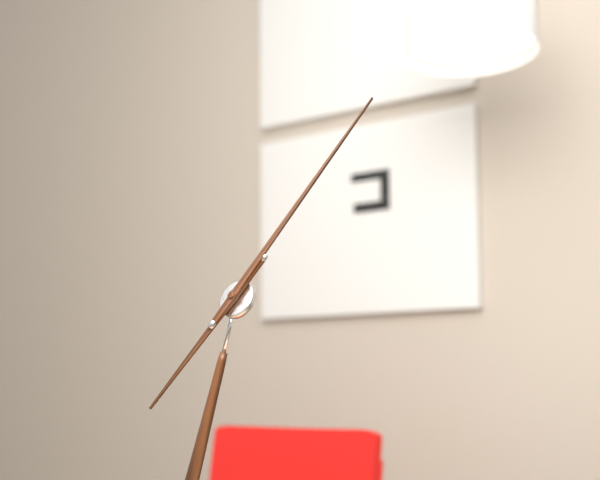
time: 7:05
